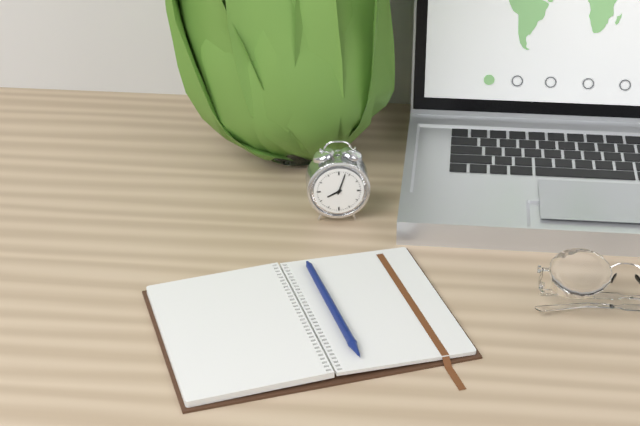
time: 8:03
